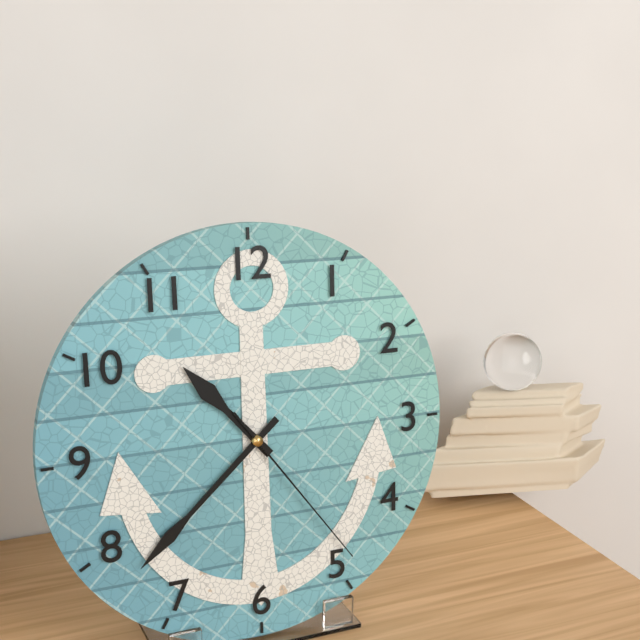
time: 10:38:24
